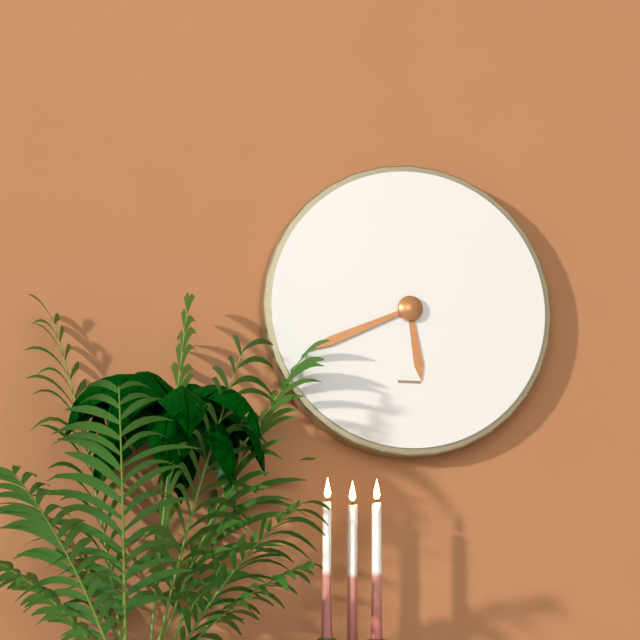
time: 5:41
